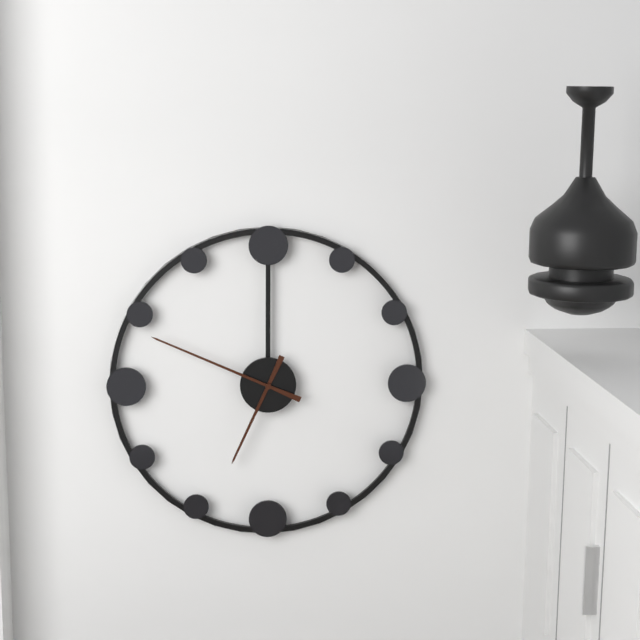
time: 6:49
